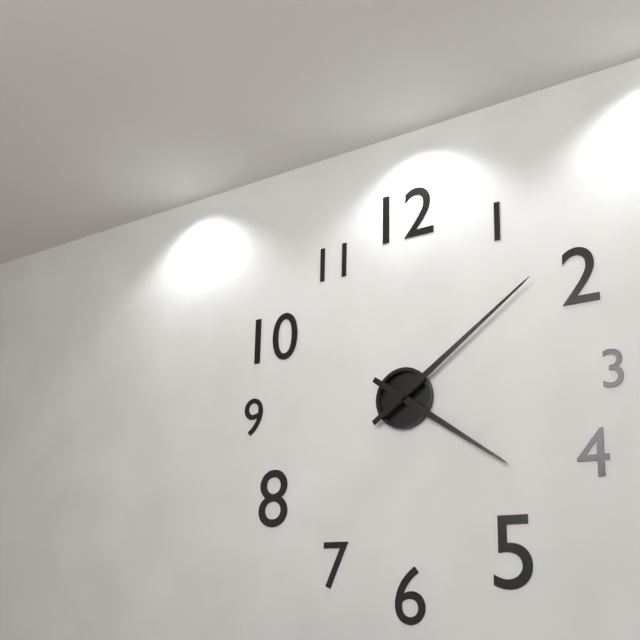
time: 4:09
